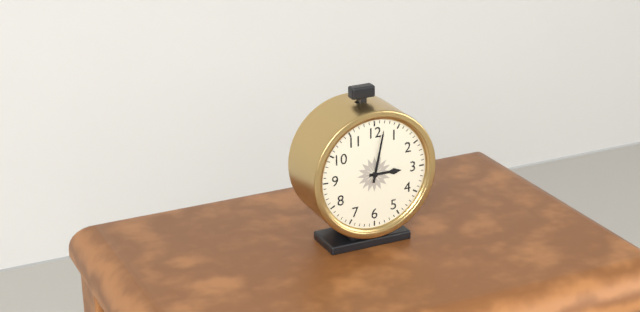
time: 3:02
